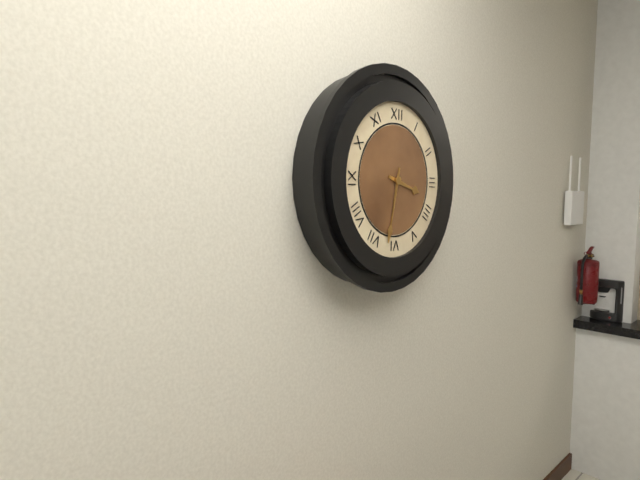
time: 3:32
